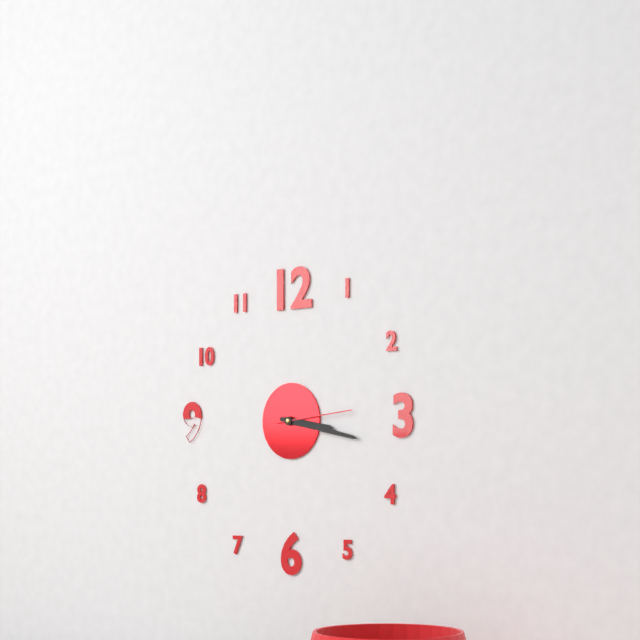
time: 3:17:14
